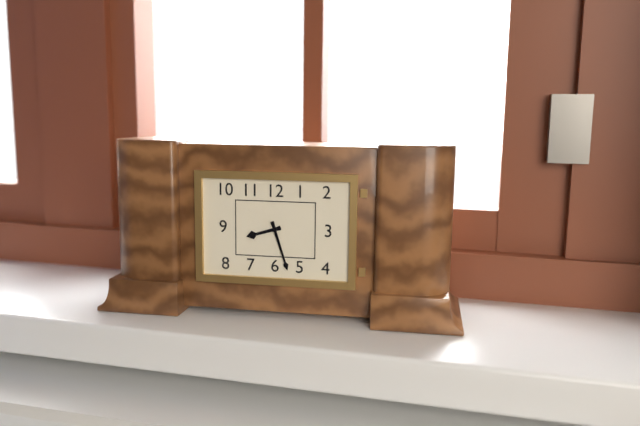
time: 8:27
